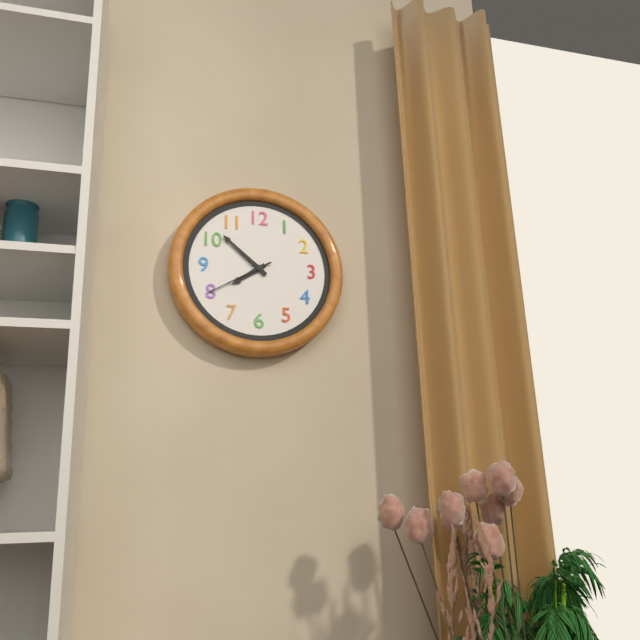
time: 7:52:40
